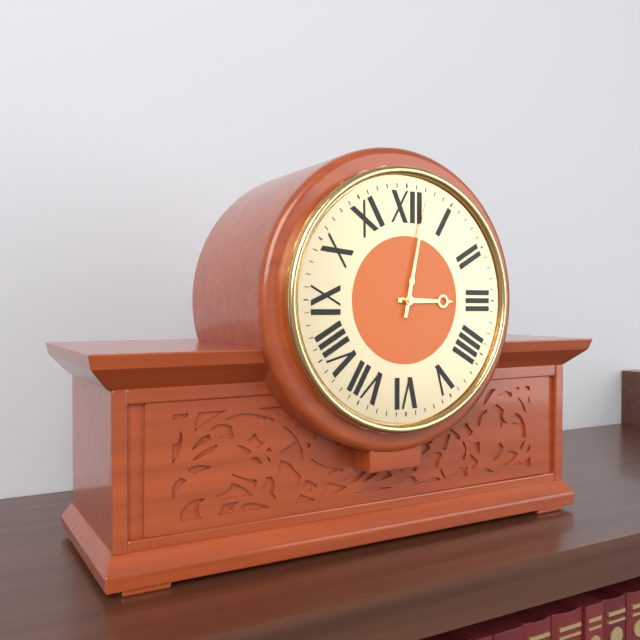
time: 3:02
